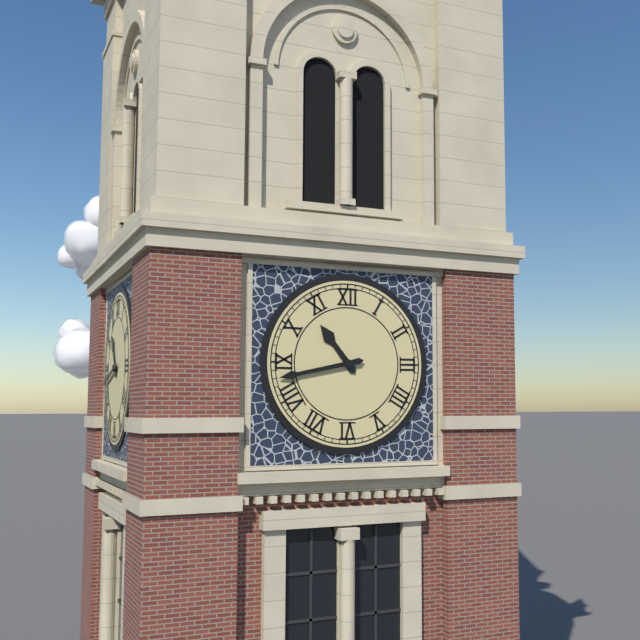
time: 10:43
